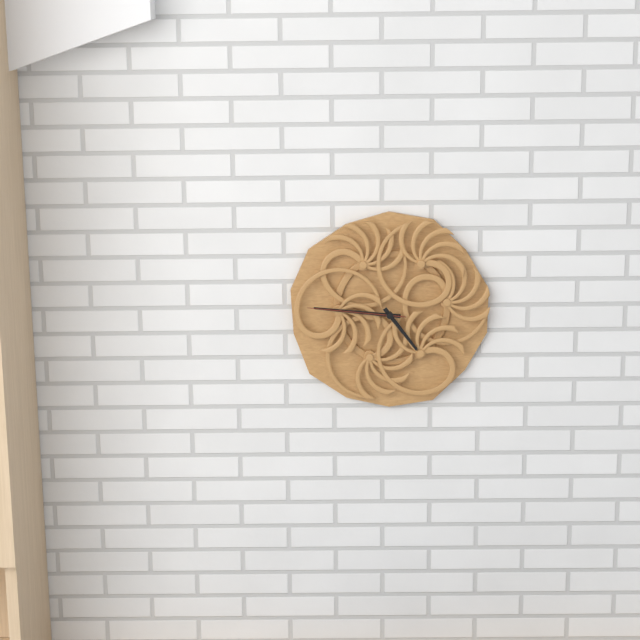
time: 4:46:46
